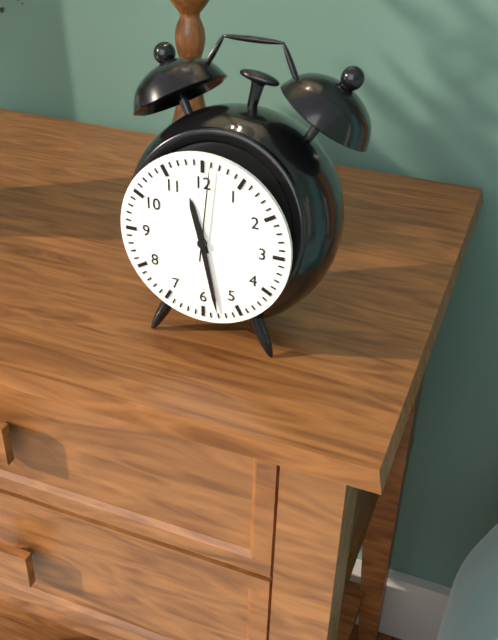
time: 11:28:01
